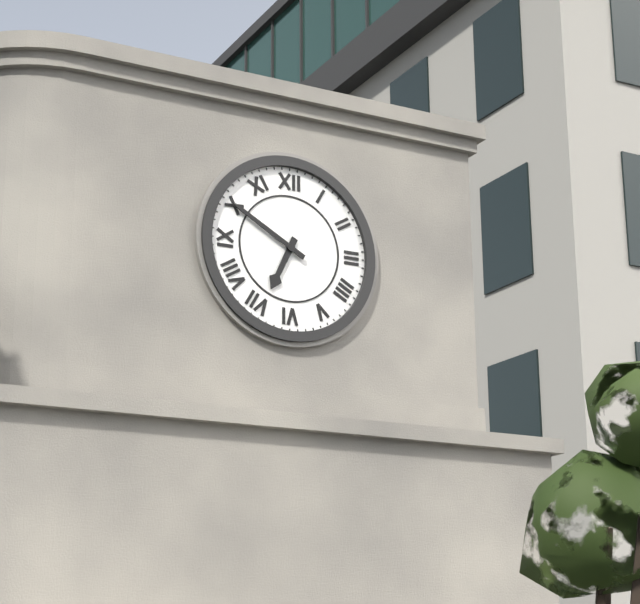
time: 6:50
